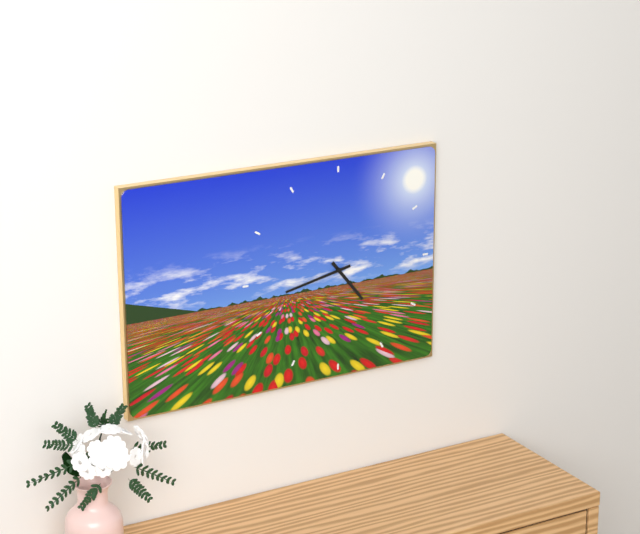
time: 4:43
